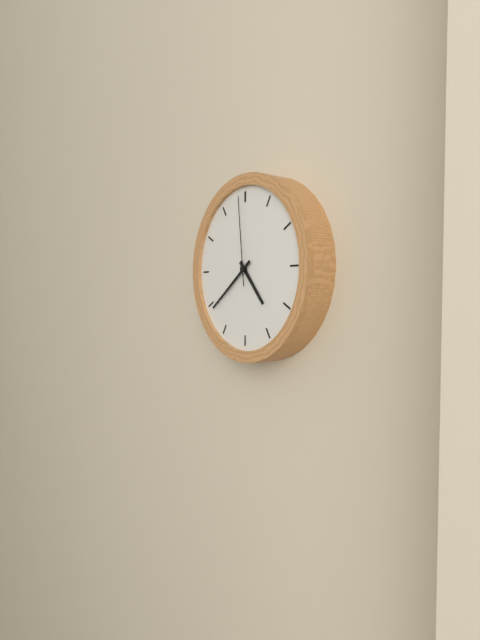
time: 4:39:59
